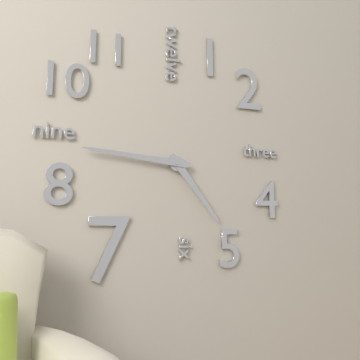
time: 4:46
